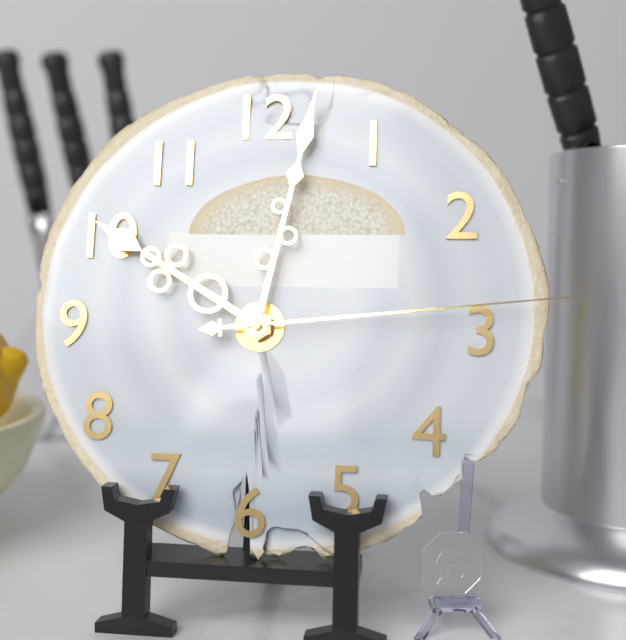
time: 10:02:14
